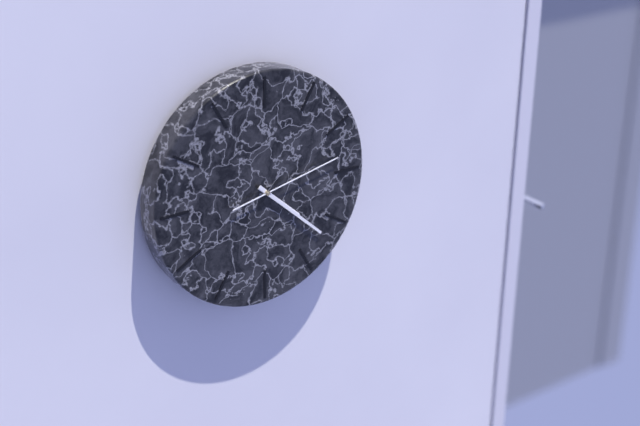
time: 4:22:13
